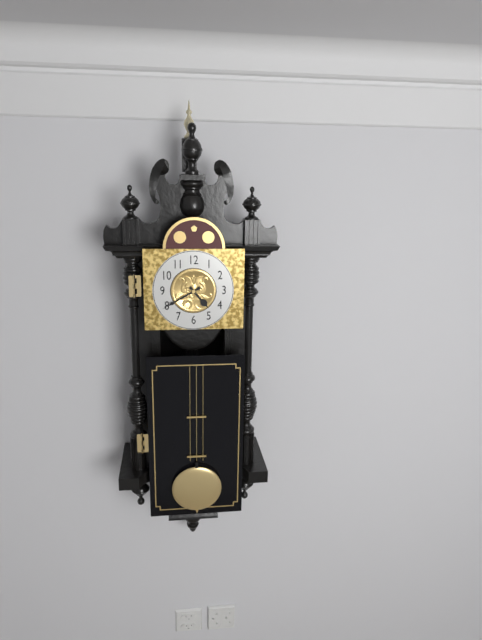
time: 4:40
